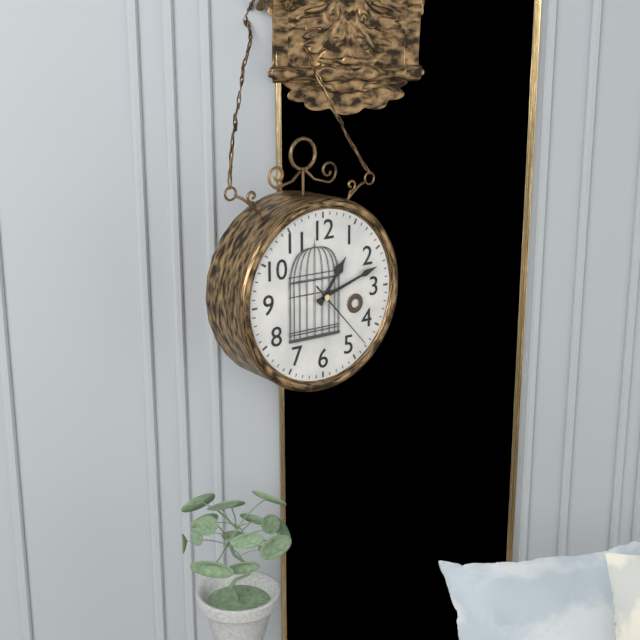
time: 1:12:23
